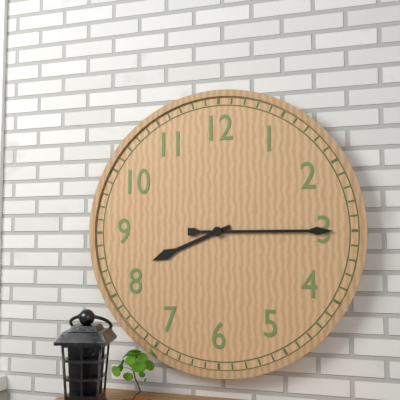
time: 8:15
